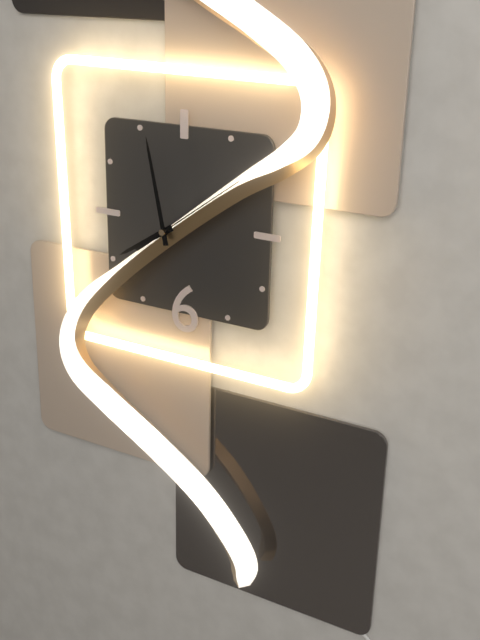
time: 7:58:09
